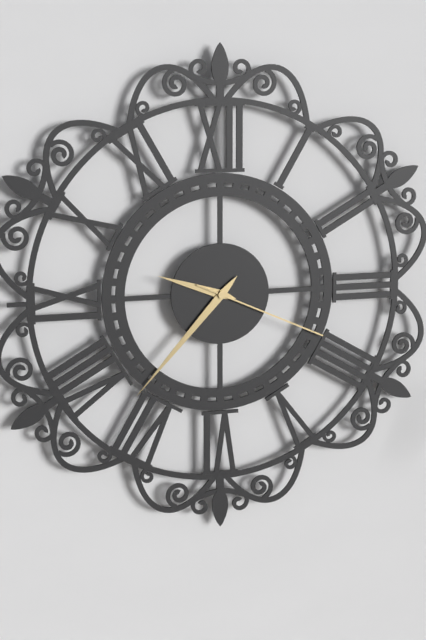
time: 9:37:19
